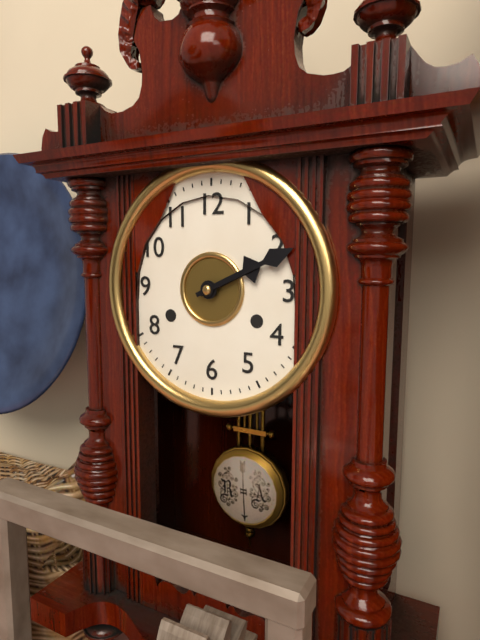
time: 2:11
